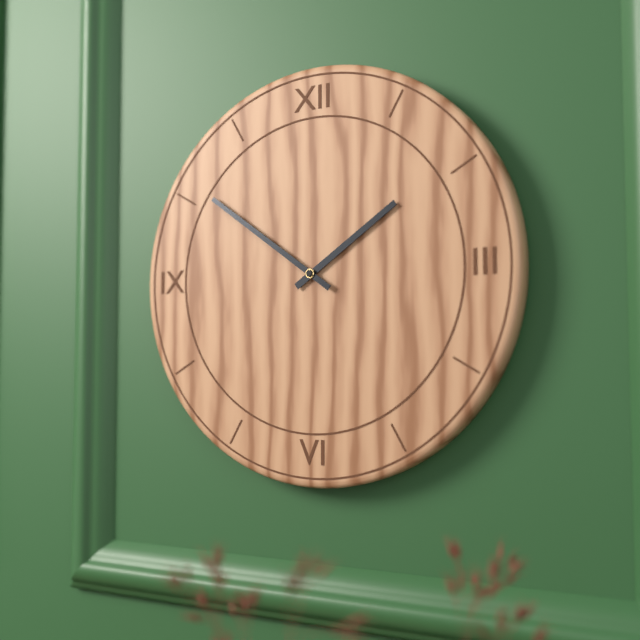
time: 1:51
